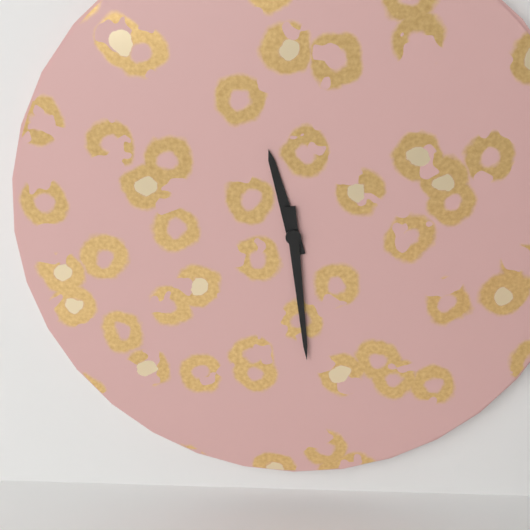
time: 11:29
